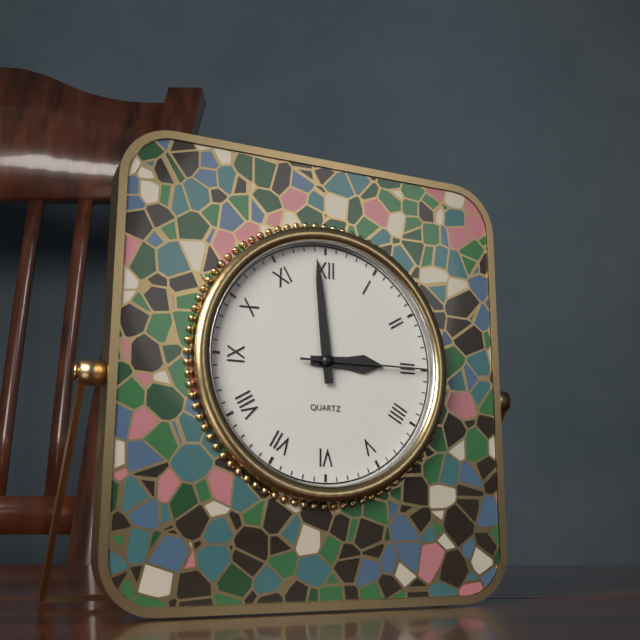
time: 2:59:15
